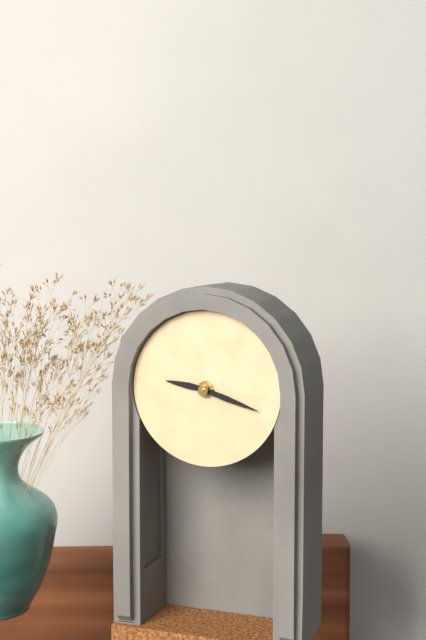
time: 9:18
